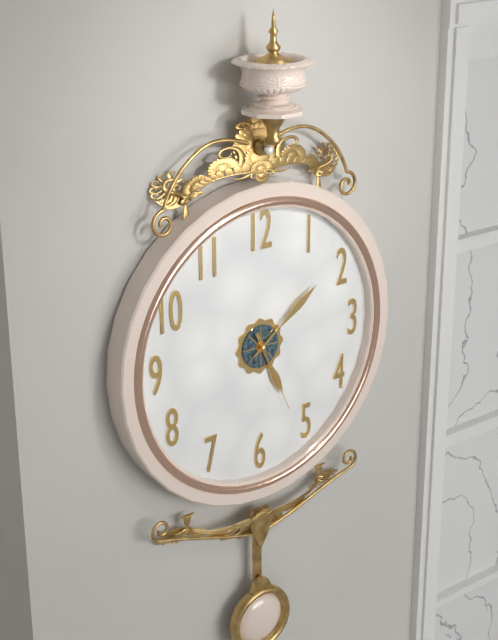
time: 5:09:26
